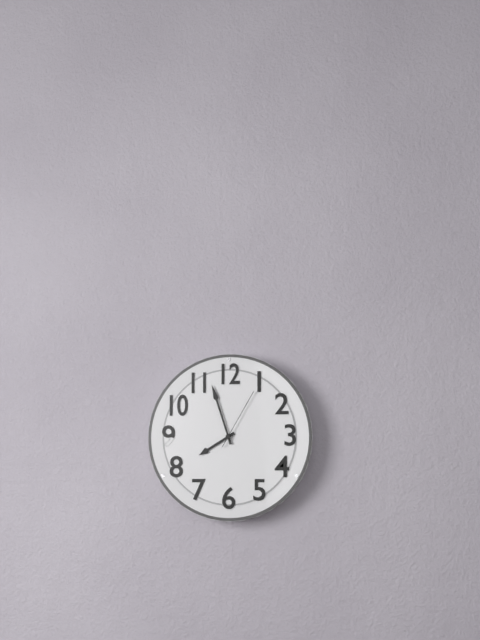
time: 7:57:05
